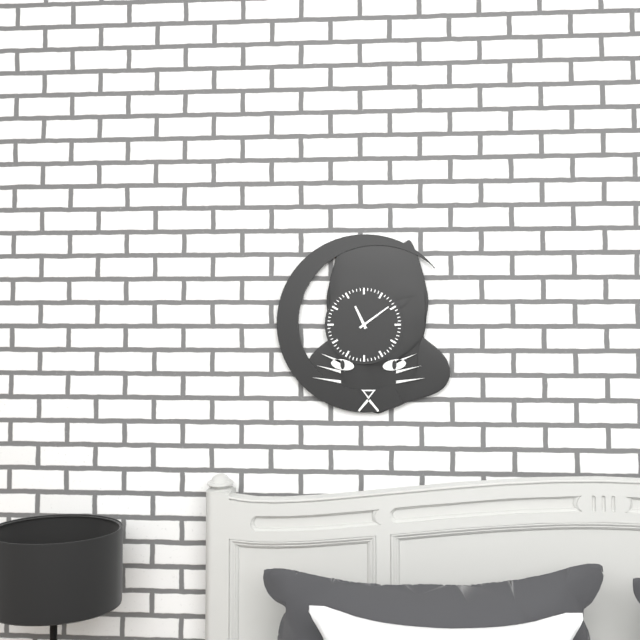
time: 11:09
